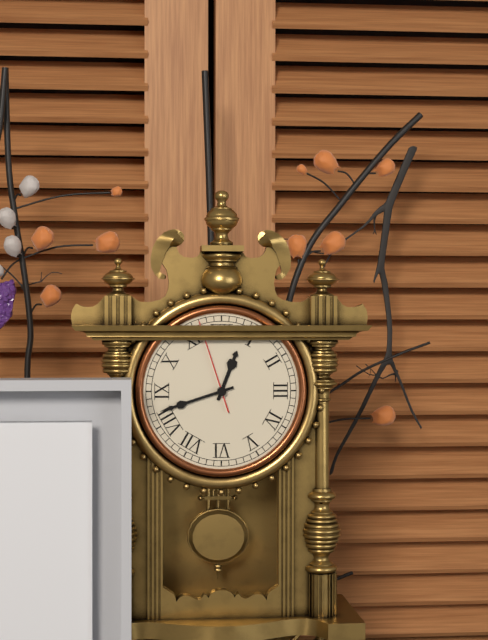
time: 12:42:57
